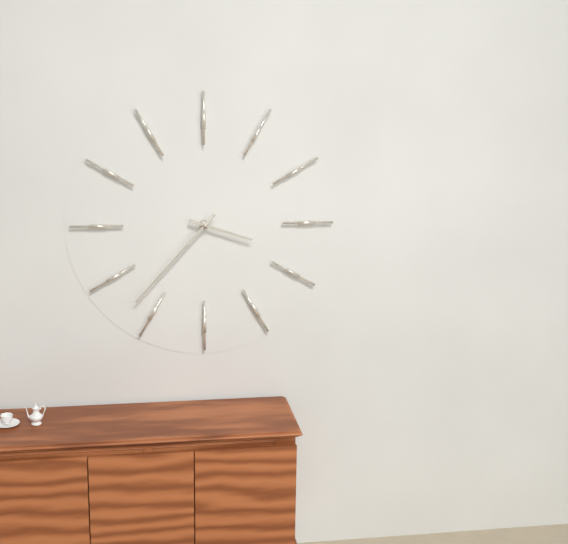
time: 3:37
